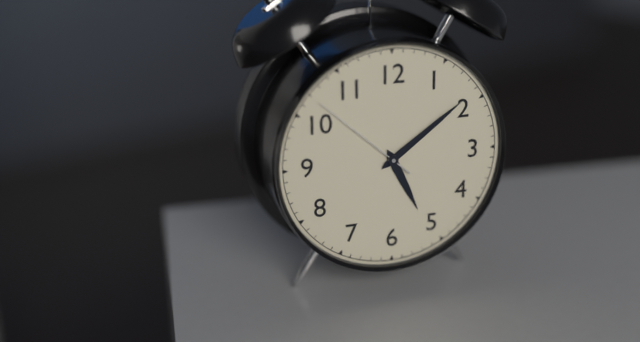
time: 5:09:52
